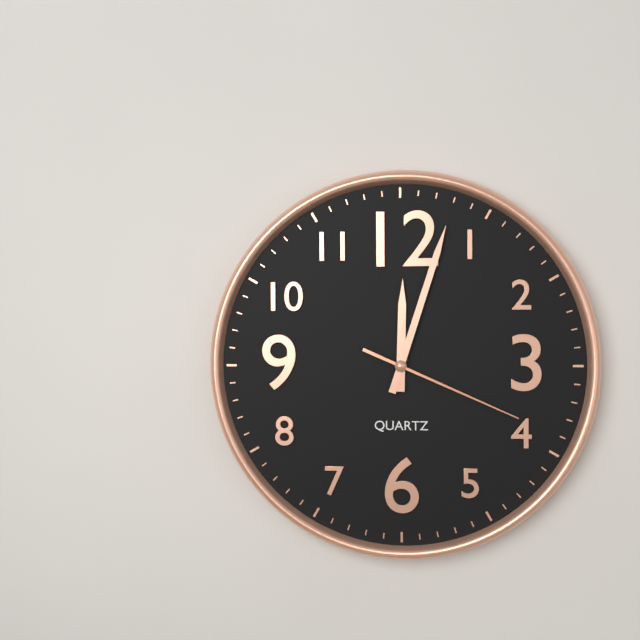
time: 12:03:19
